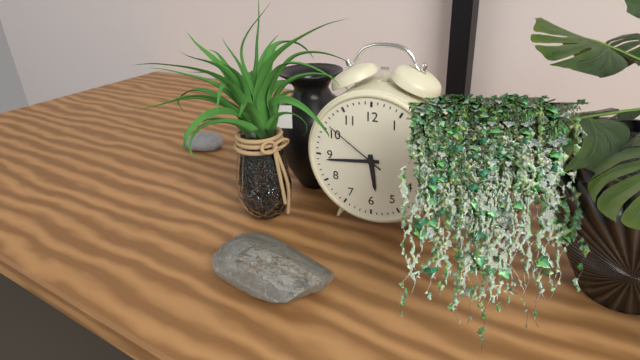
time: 5:44:51
